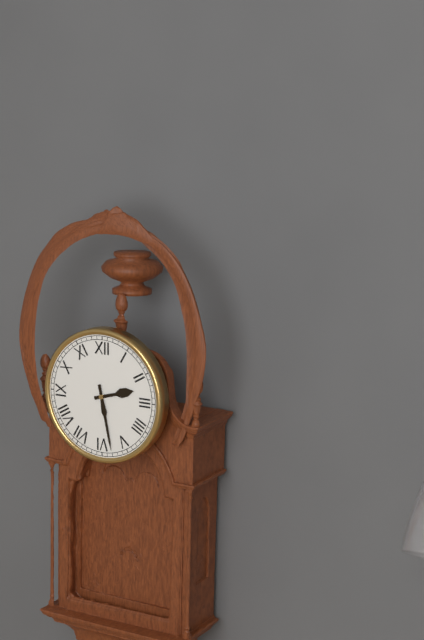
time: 2:28
